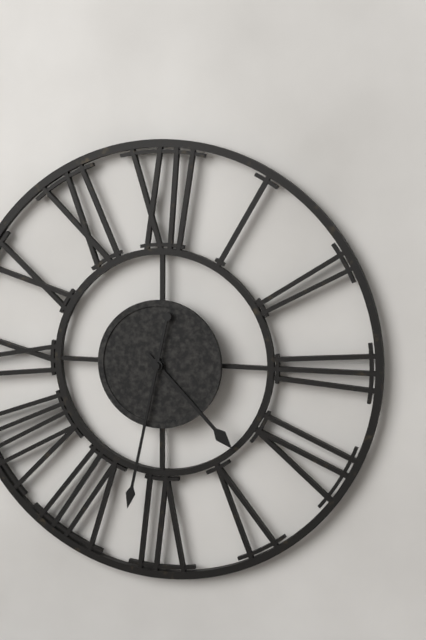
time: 4:32
